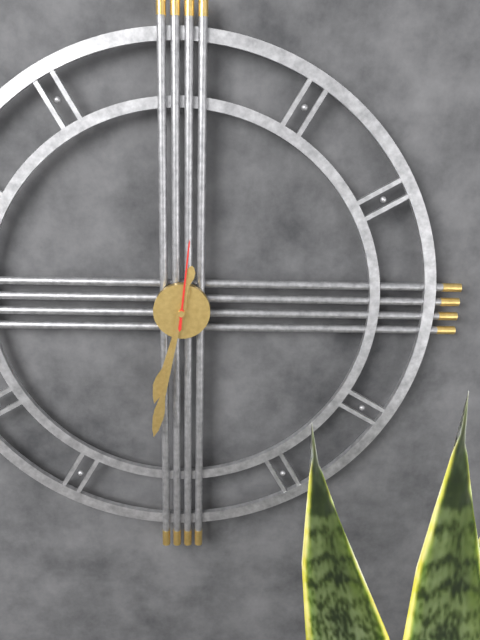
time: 6:32:01
